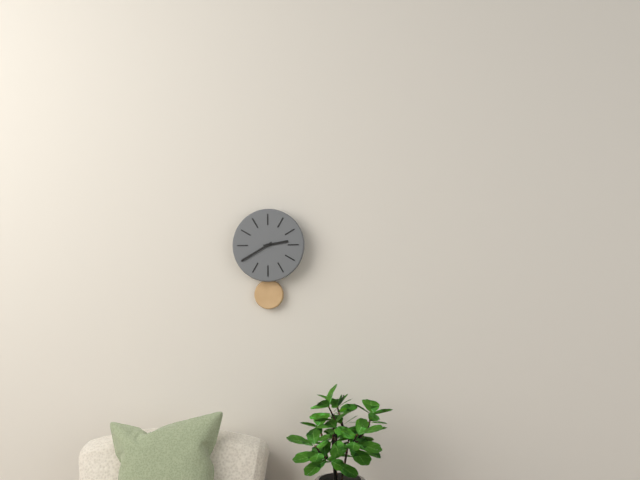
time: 2:40
